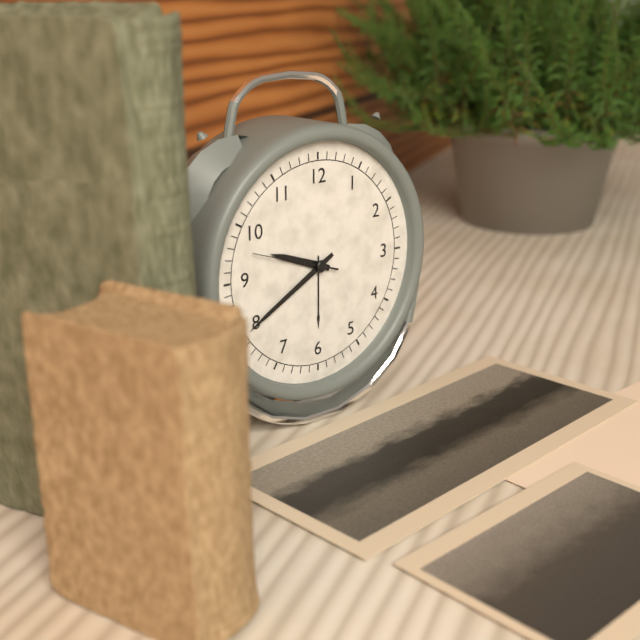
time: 9:40:48
